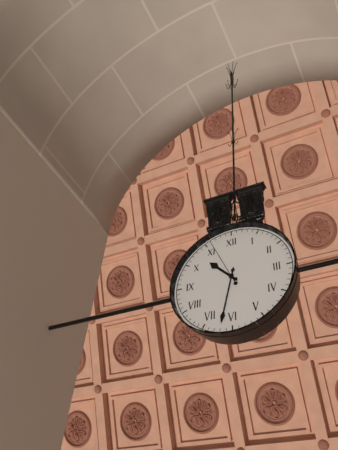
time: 10:32:56
